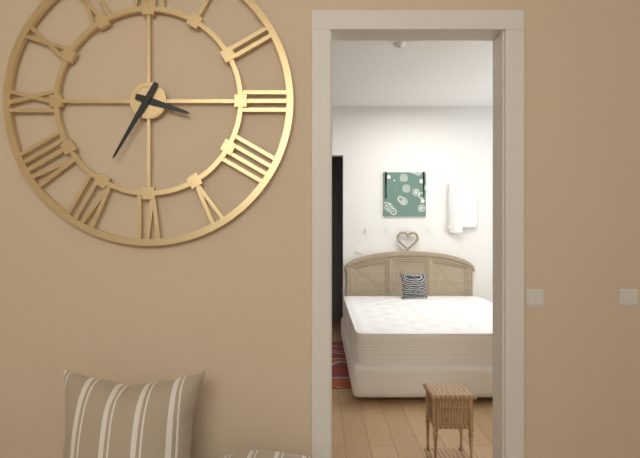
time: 3:35
